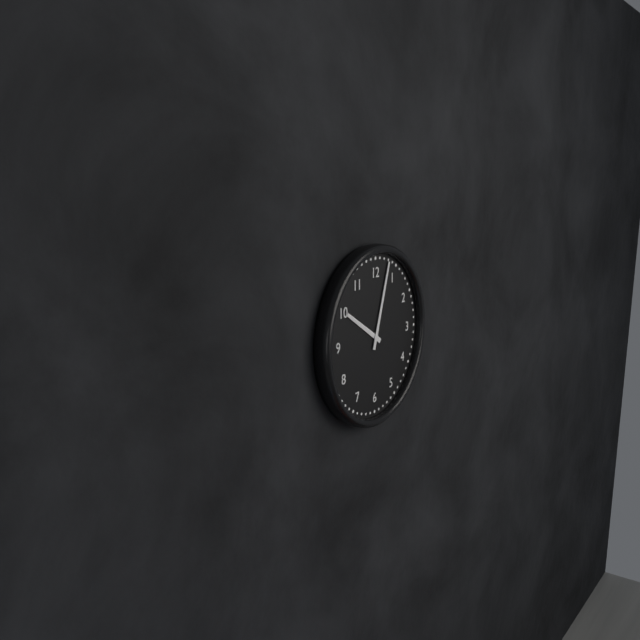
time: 10:03
